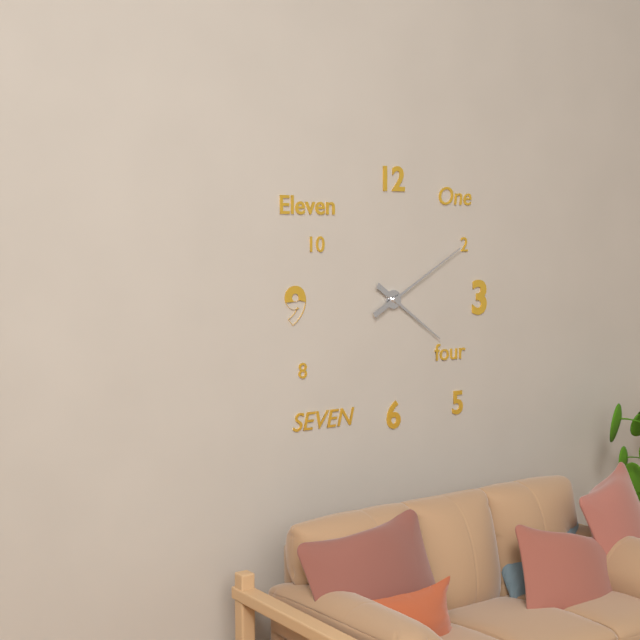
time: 4:10
